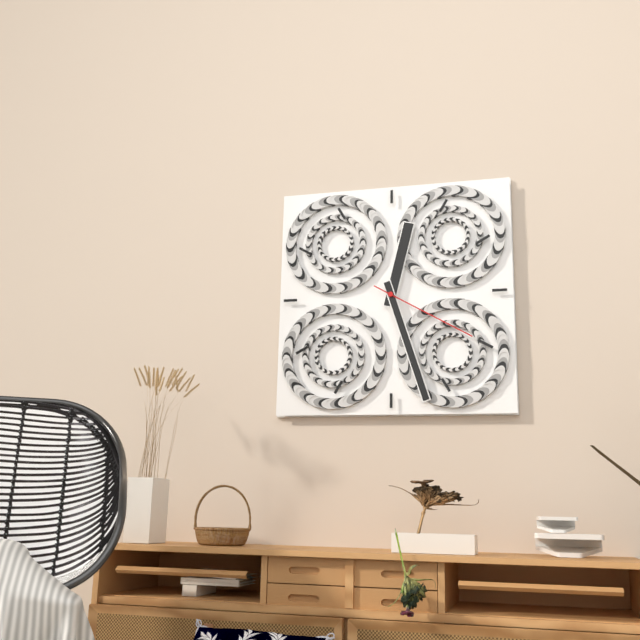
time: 12:27:20
